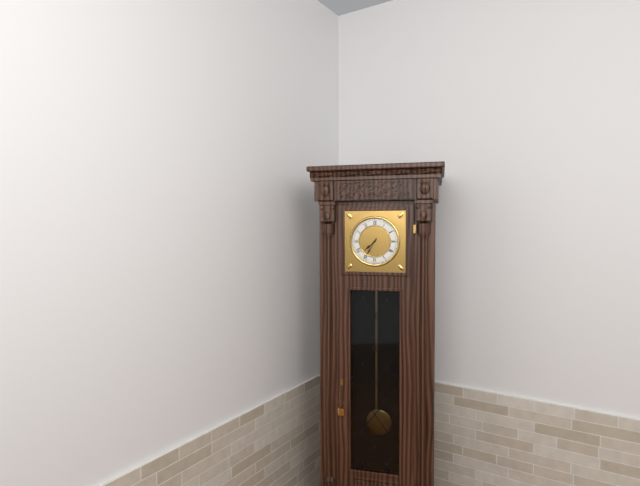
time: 7:35
